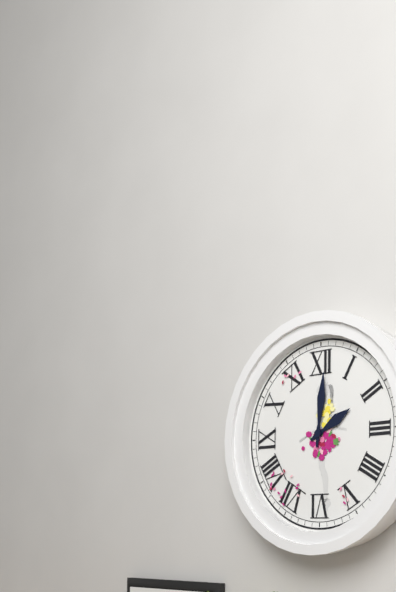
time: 2:01
